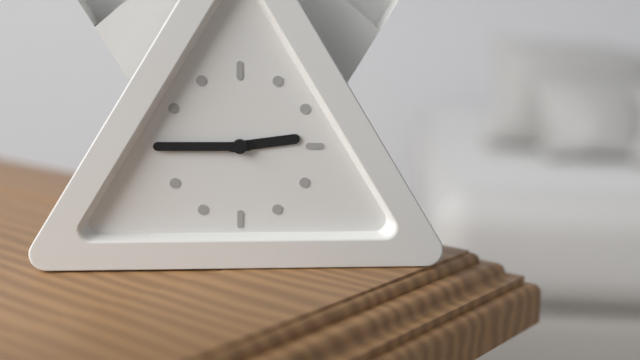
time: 2:45
